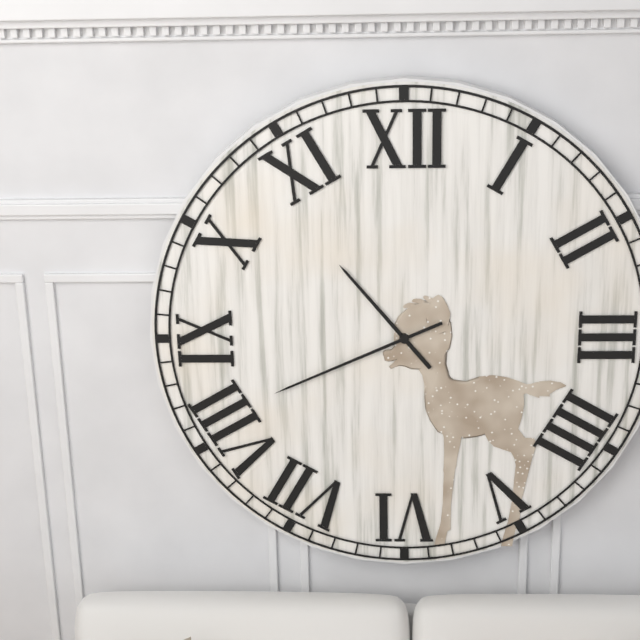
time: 10:41
